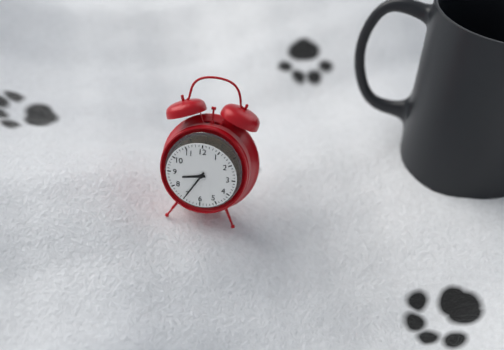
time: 8:35
